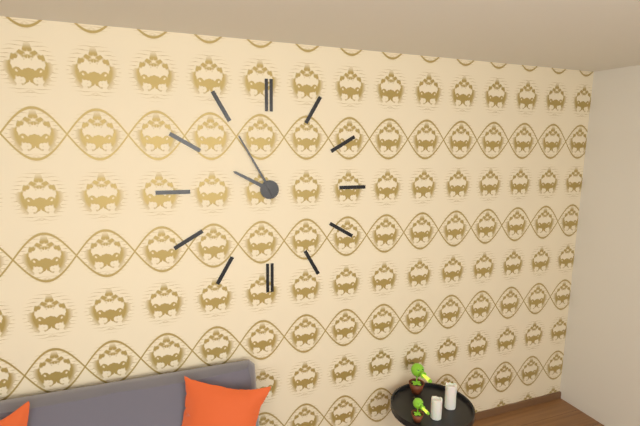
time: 9:55
